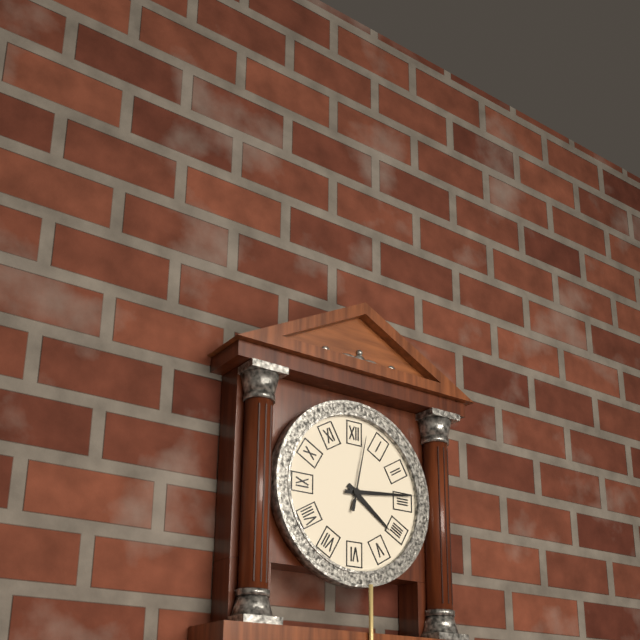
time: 4:14:02
